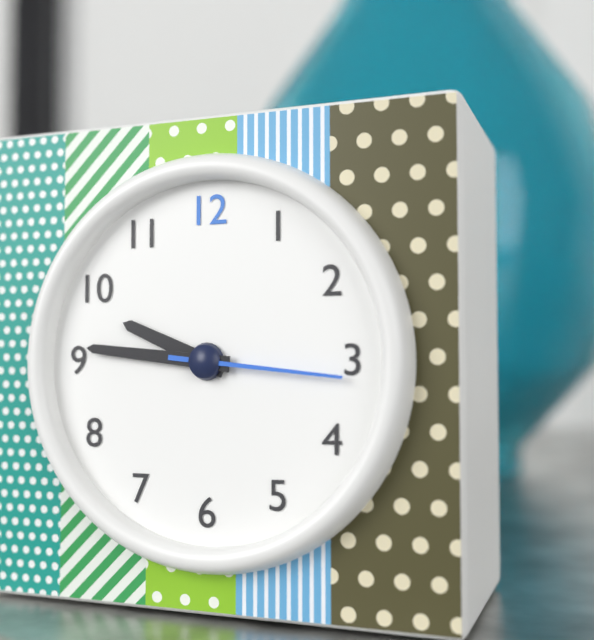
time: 9:46:16
